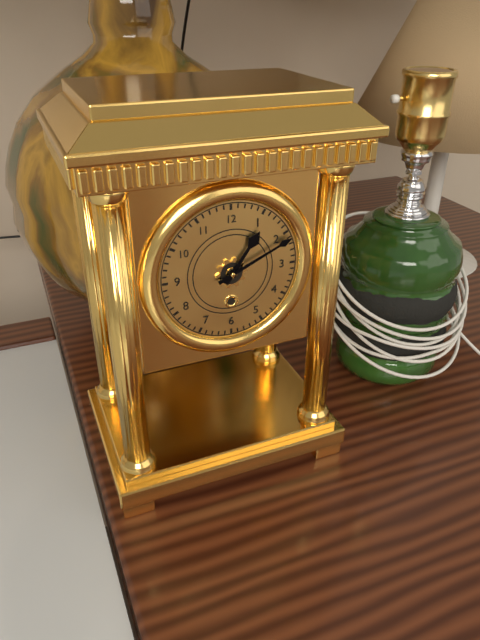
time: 1:11
